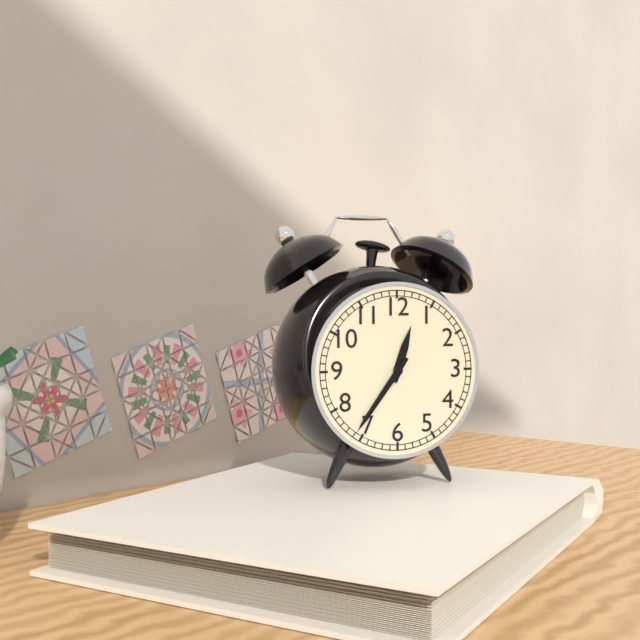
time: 12:36
